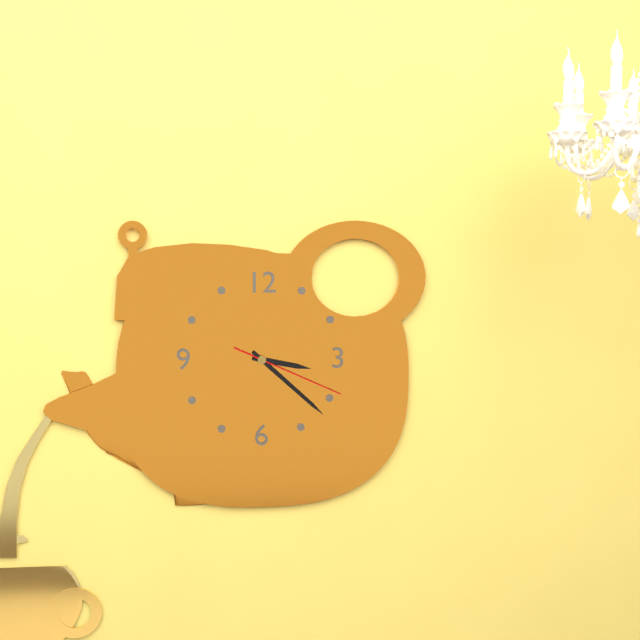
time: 3:22:19
